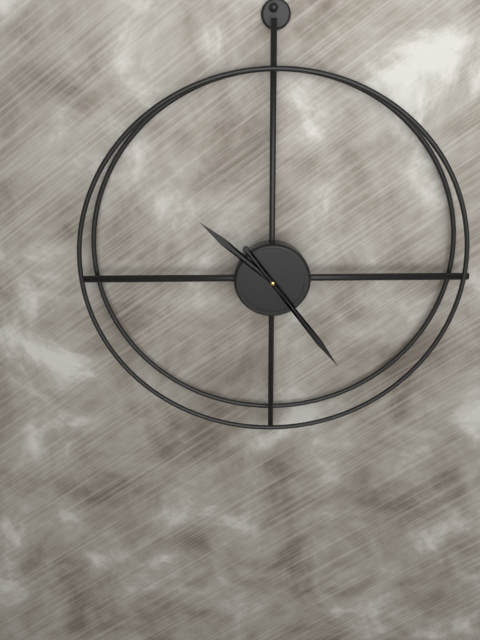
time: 10:24
